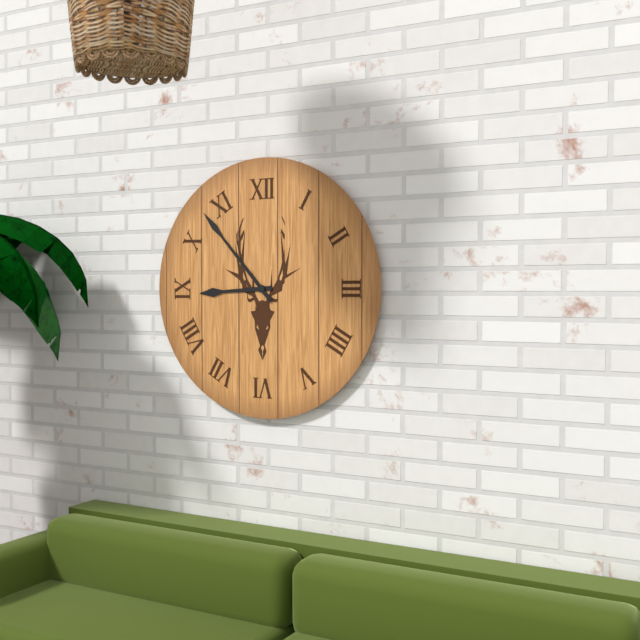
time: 8:53
